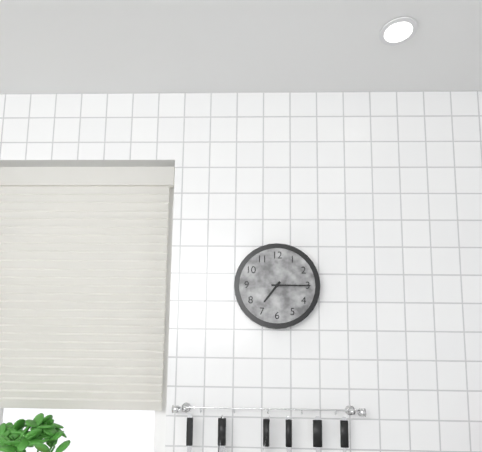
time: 7:15
